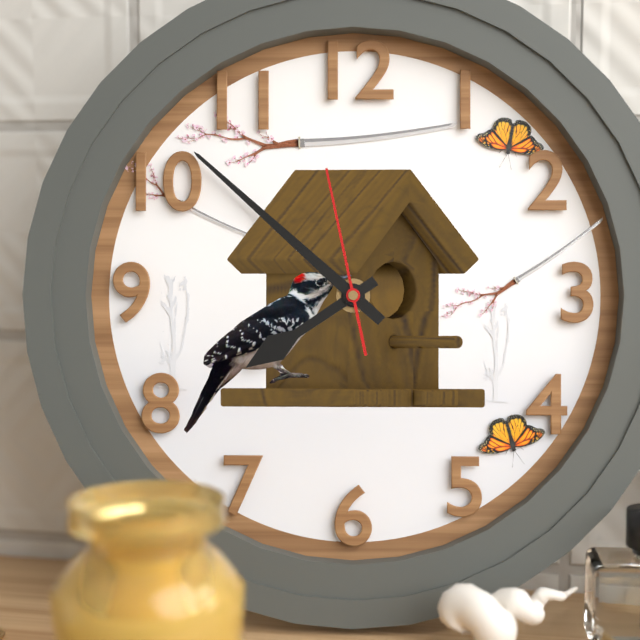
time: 7:52:58
